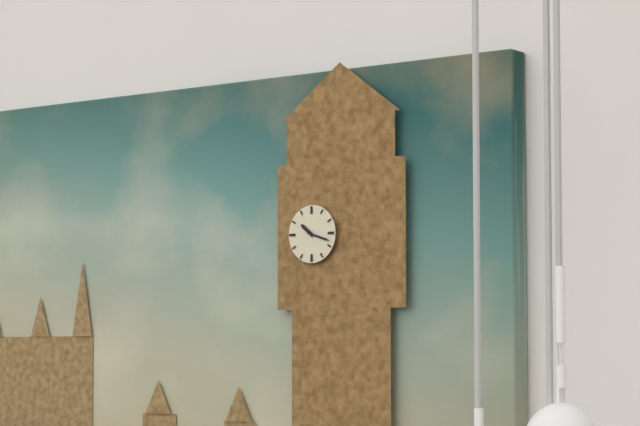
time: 10:18
